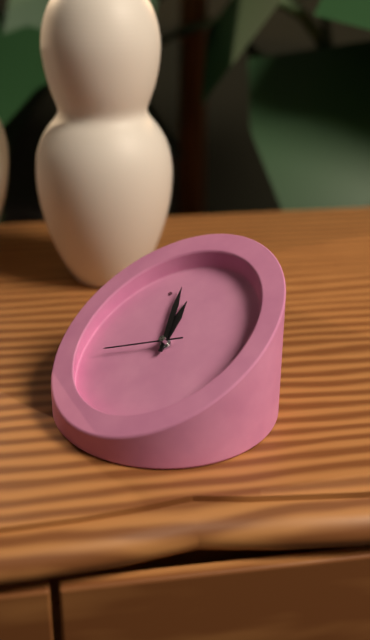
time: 2:09:53
